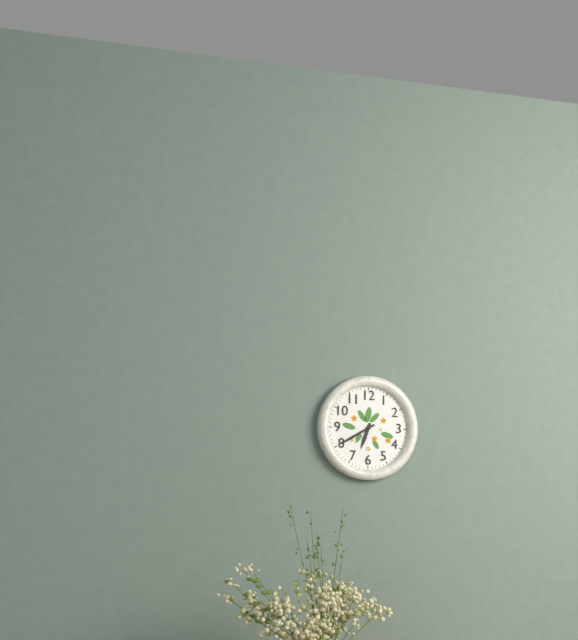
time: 6:40
